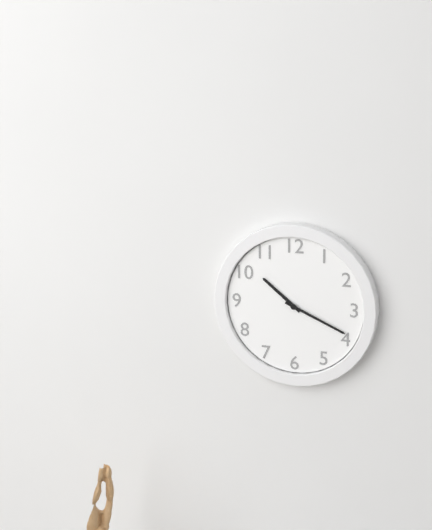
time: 10:19
